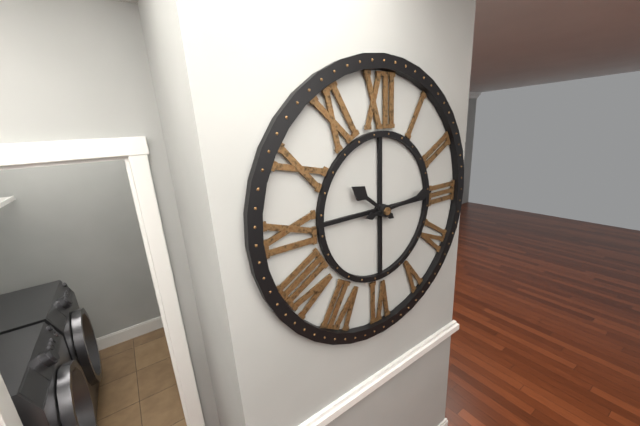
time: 10:14
